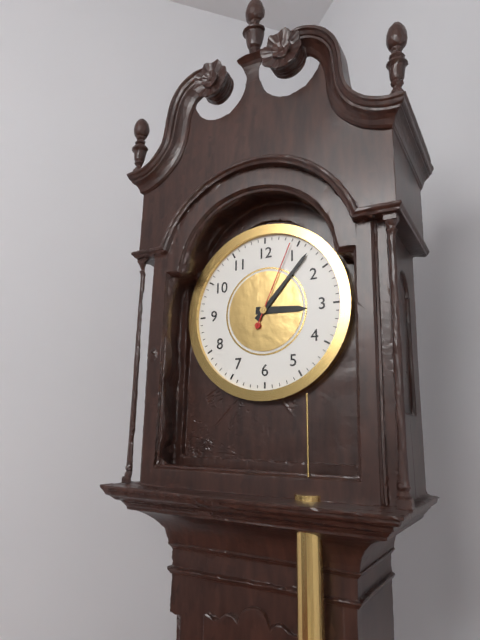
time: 3:07:04
